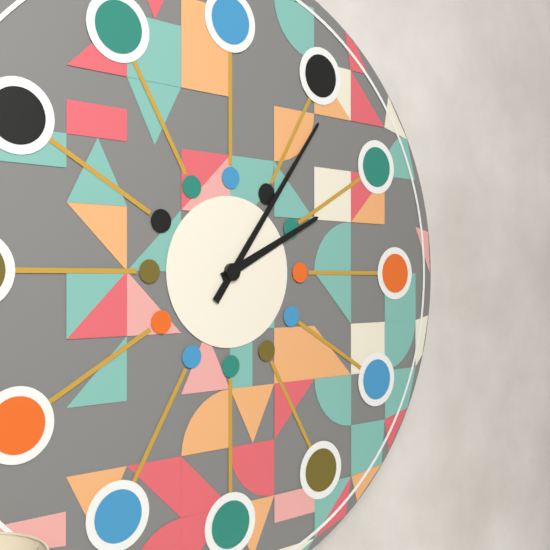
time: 2:06
